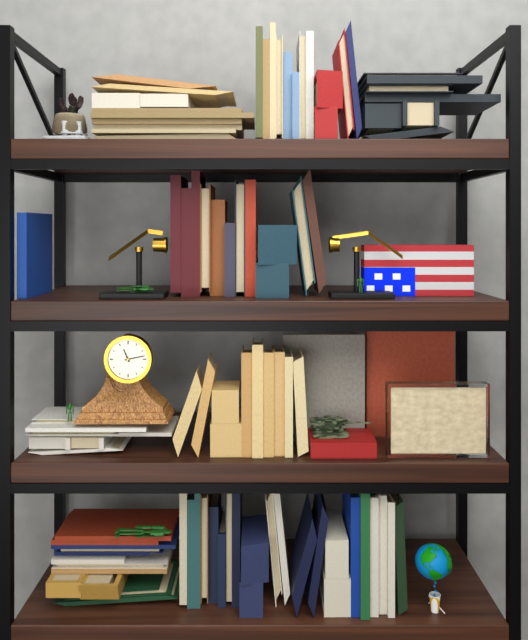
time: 11:13
